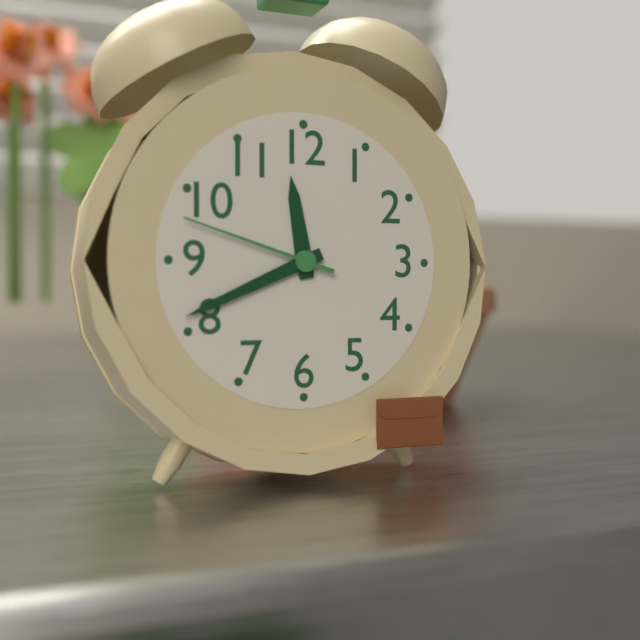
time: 11:41:48
